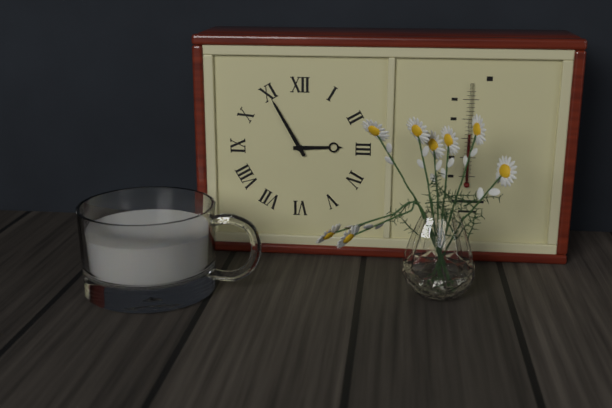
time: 2:55
